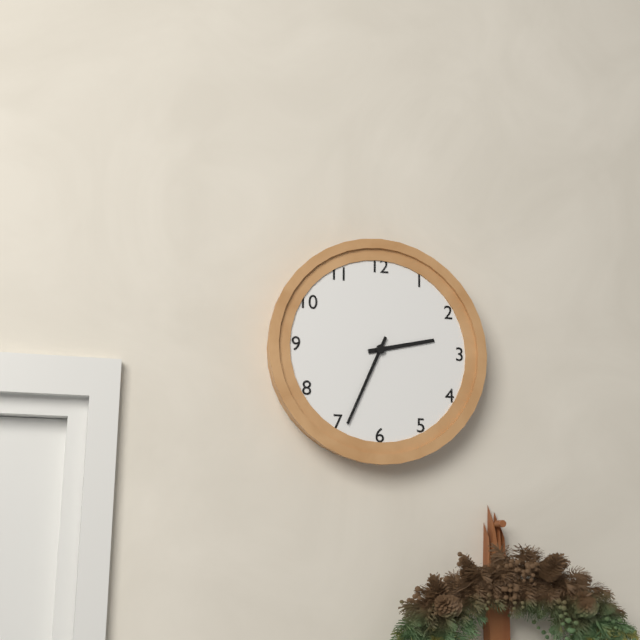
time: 2:34
